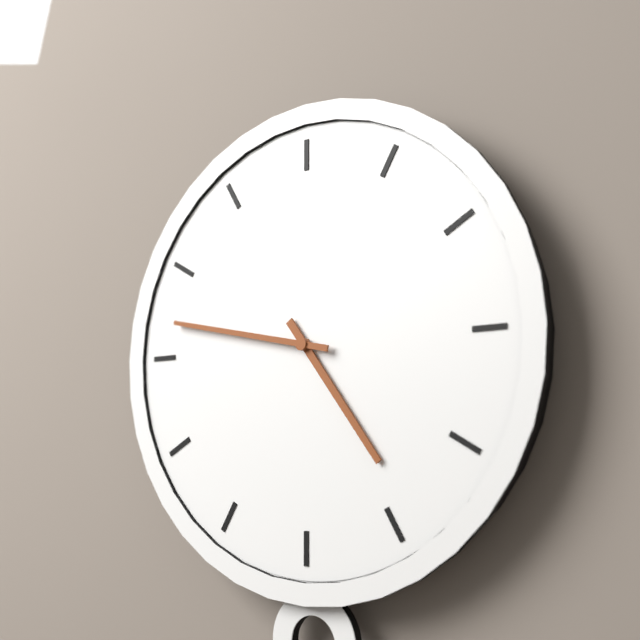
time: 4:47
